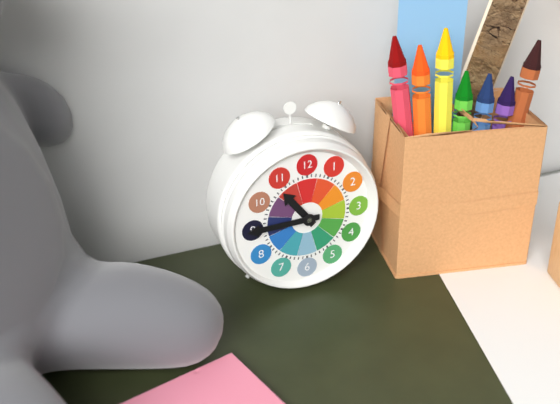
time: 10:45
